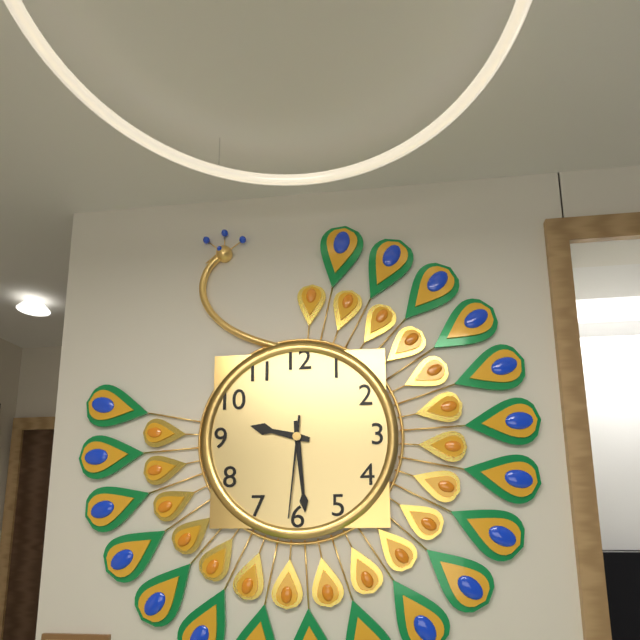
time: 9:29:31
